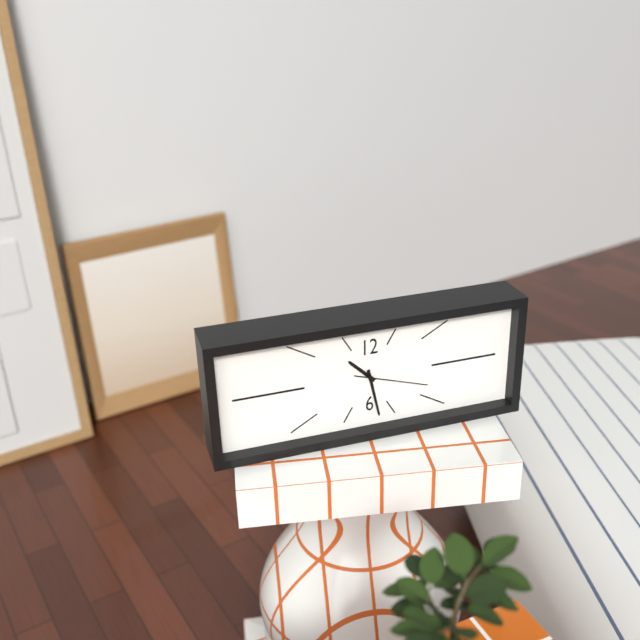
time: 10:28:18
